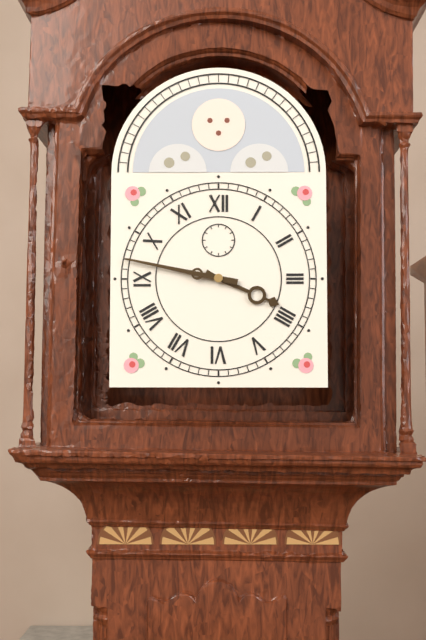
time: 3:47
